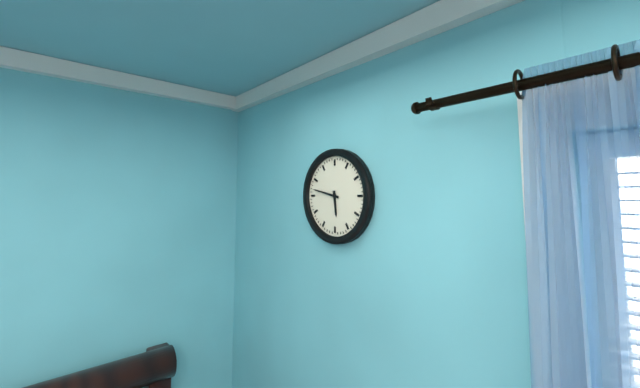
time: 5:47
